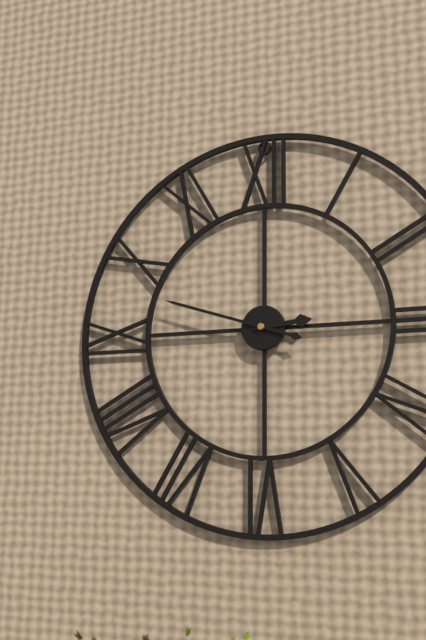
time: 2:48
